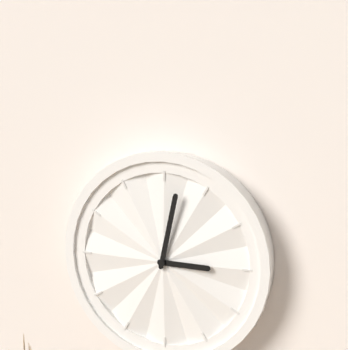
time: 3:02
